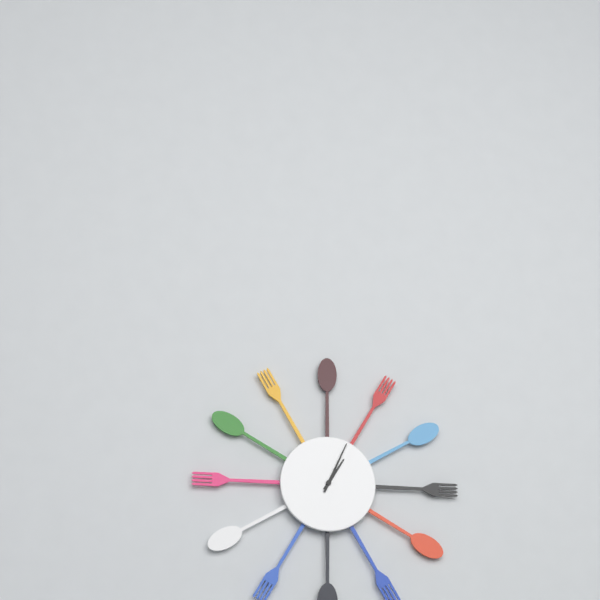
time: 1:04
